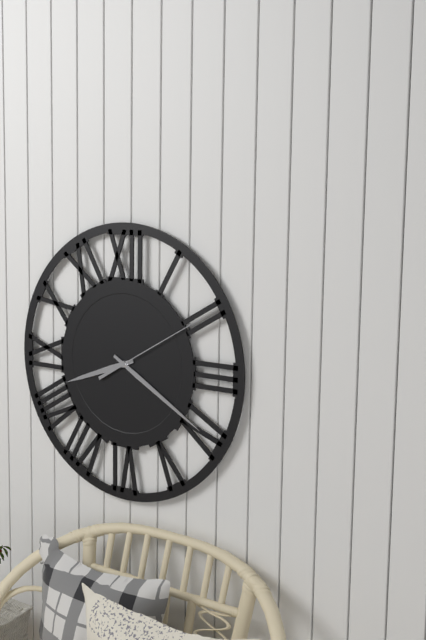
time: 8:20:10
